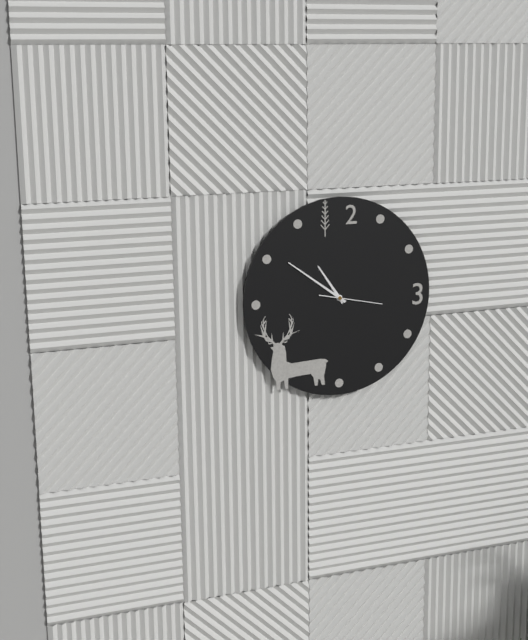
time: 10:51:17
